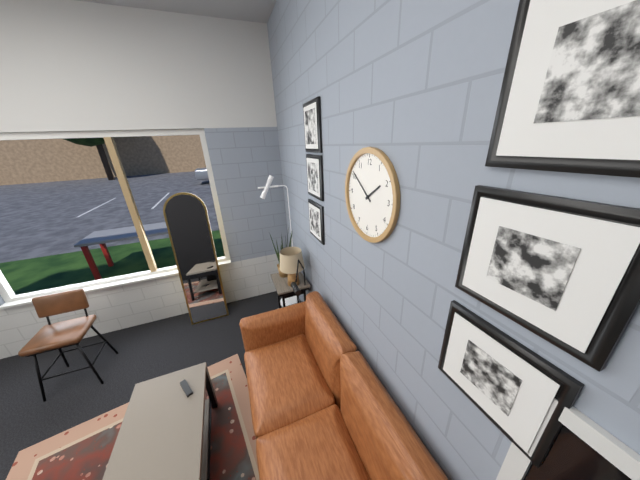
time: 1:51
